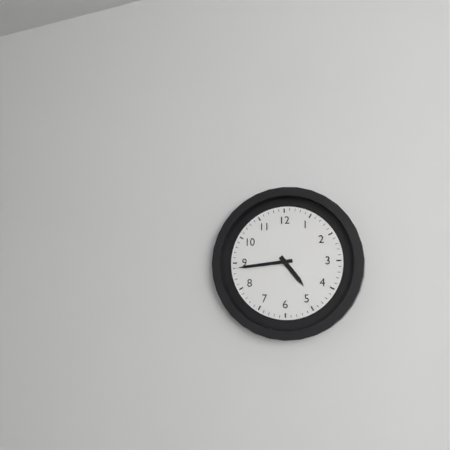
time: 4:44
